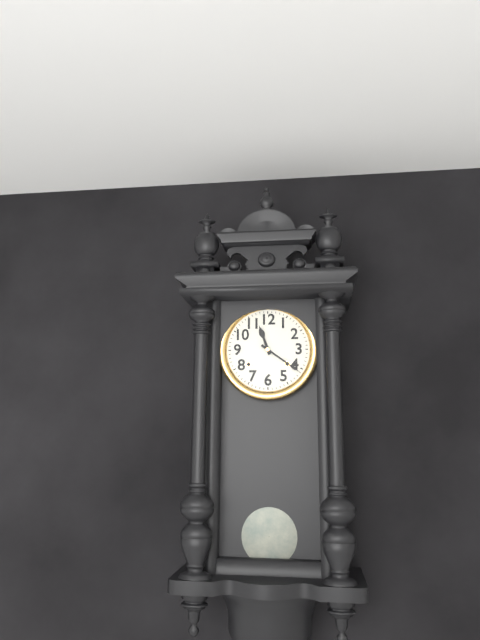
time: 11:21
